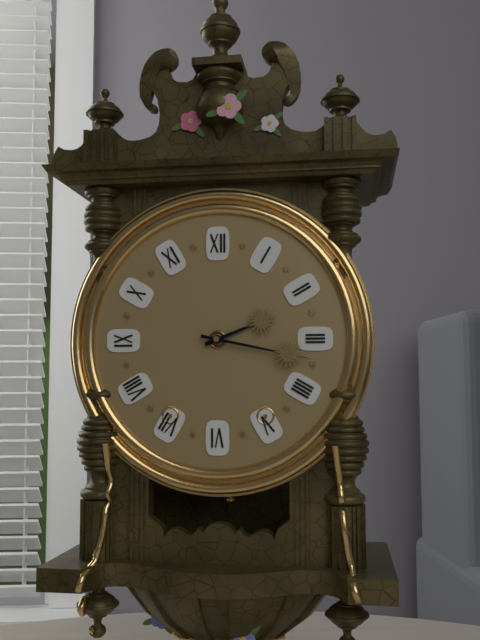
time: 2:17
